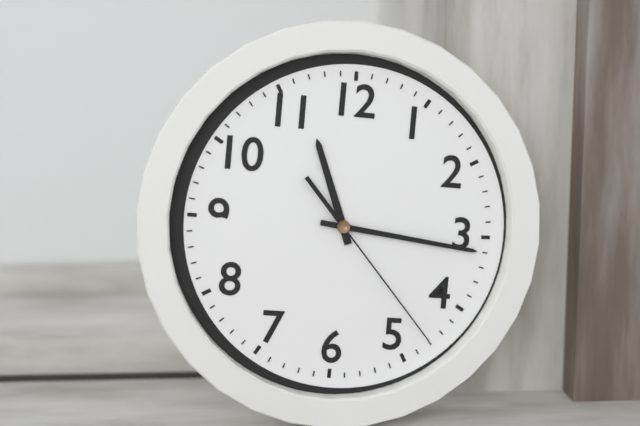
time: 11:16:23
